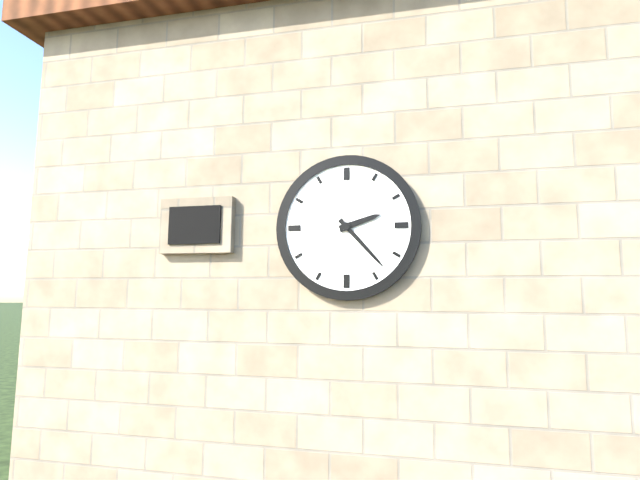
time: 2:23
